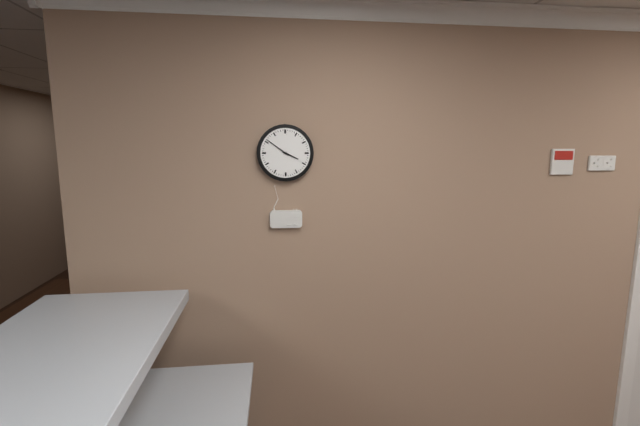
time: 3:51
